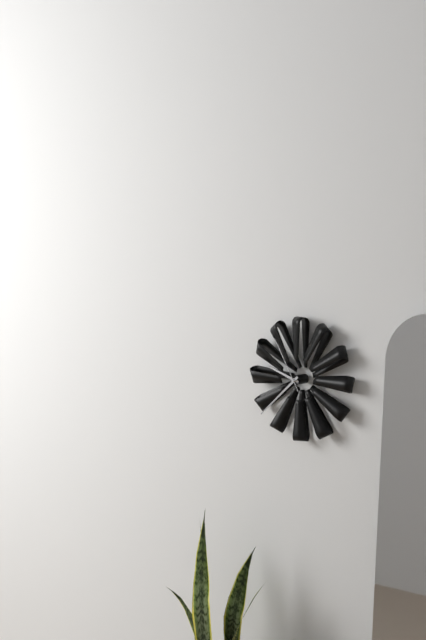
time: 9:38:55
